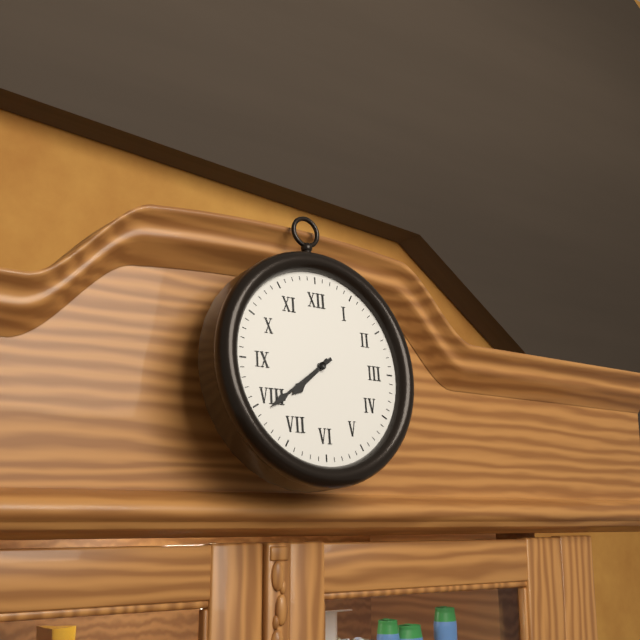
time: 7:39
